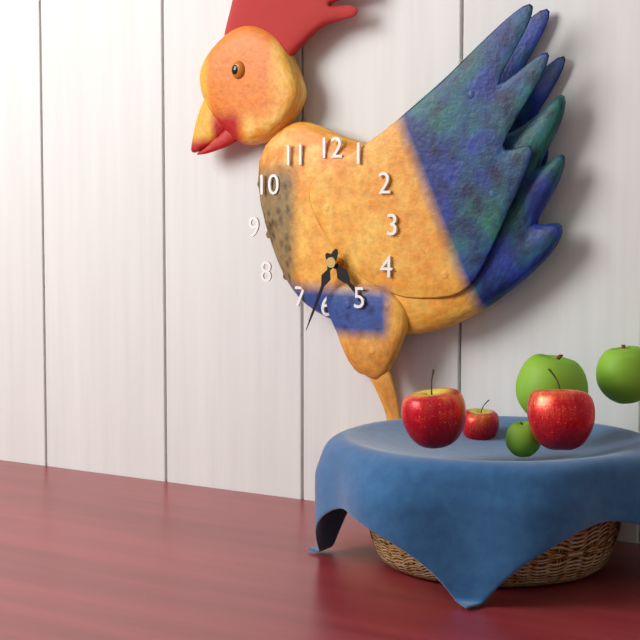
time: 4:34
